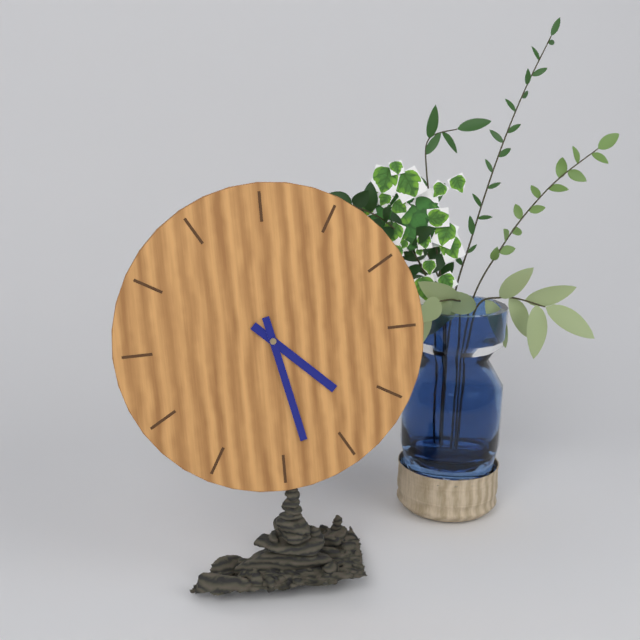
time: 4:28
